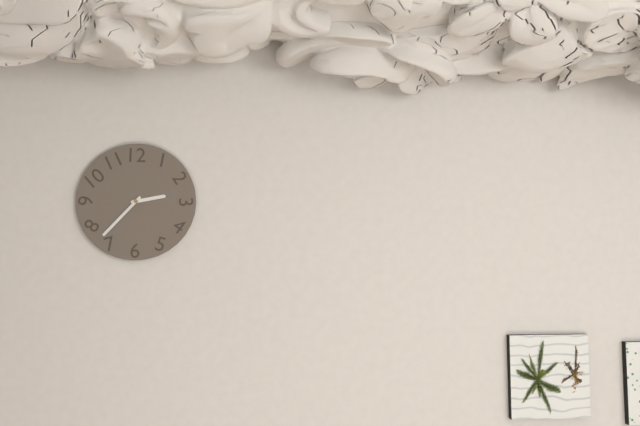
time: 2:37
